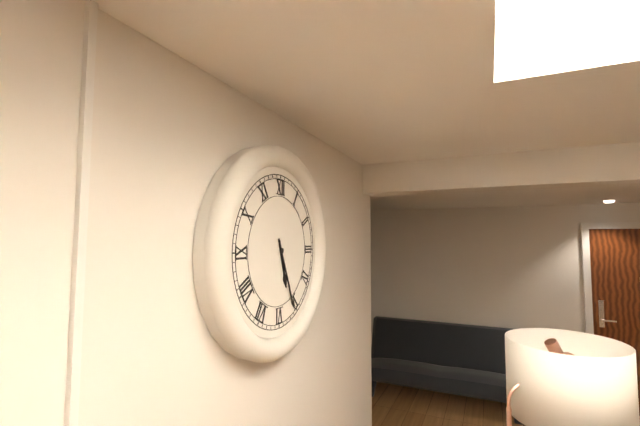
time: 5:26
